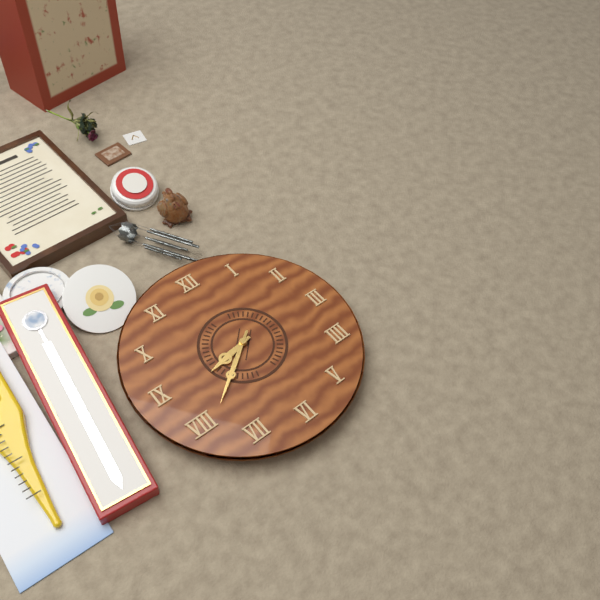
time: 8:39
